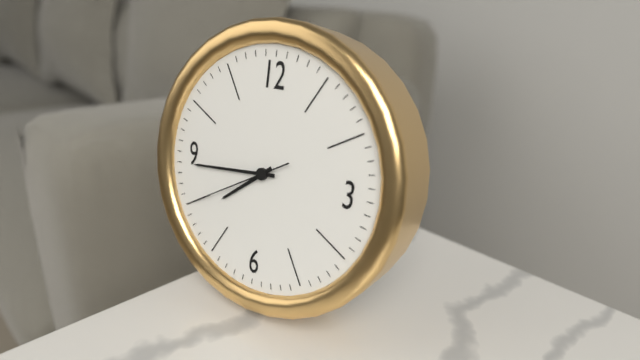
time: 7:44:40
